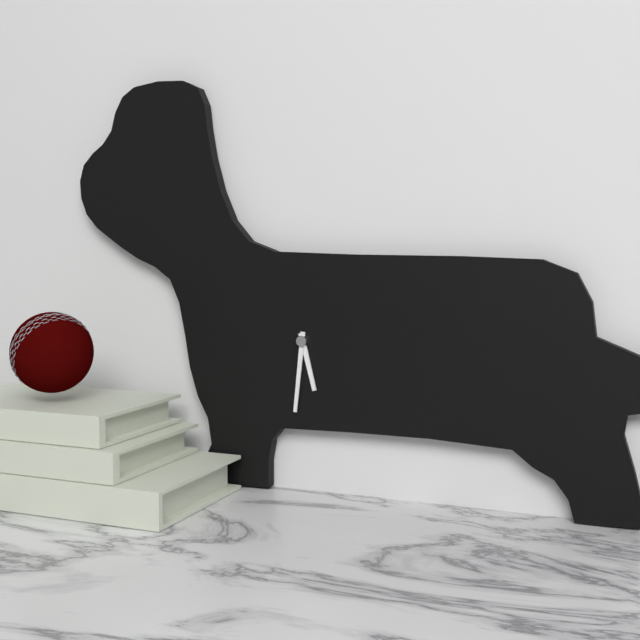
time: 5:31
